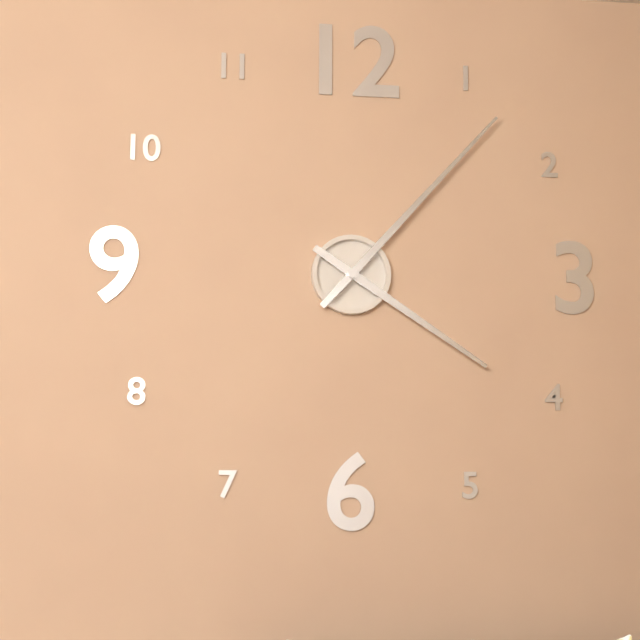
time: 4:07
